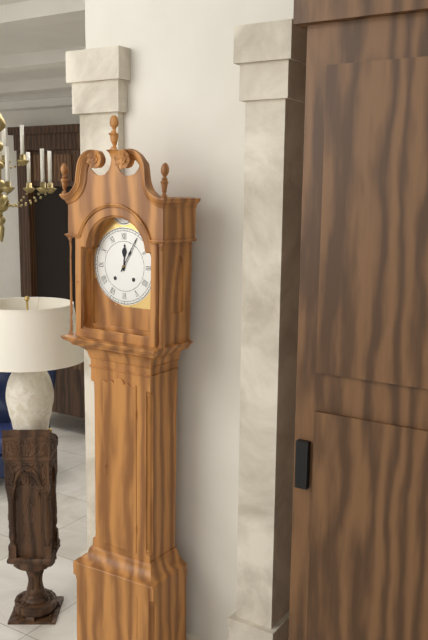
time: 12:05
